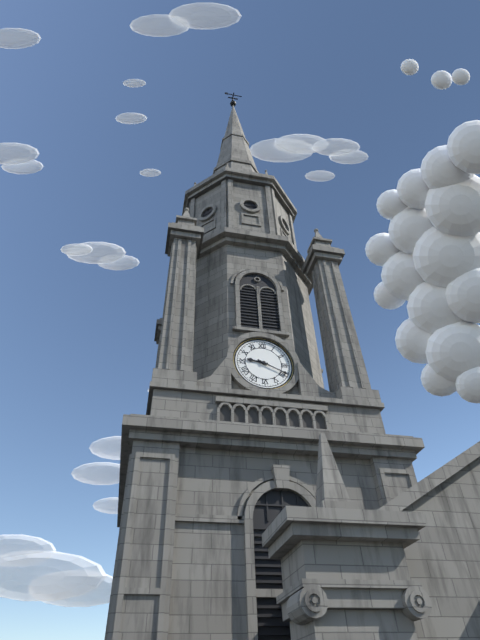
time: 9:19
